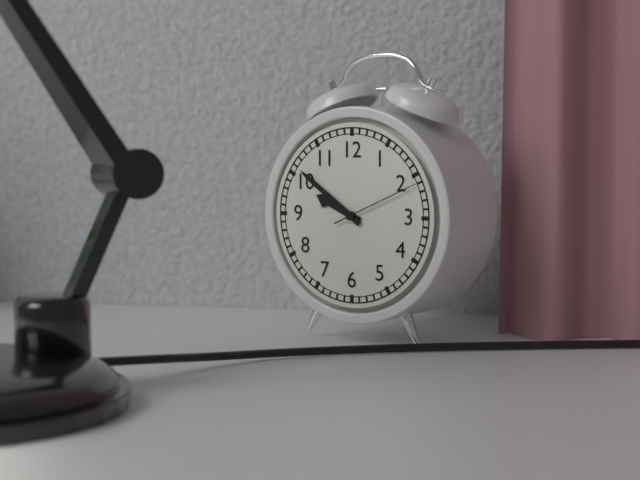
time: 9:51:11
